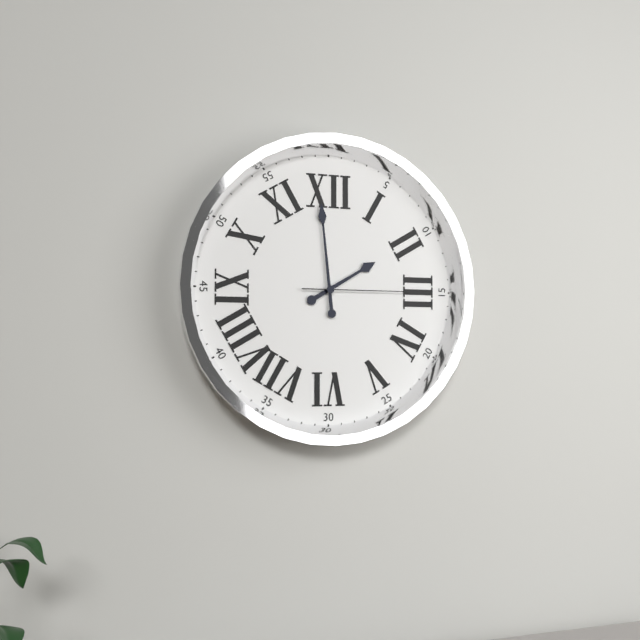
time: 1:59:15
